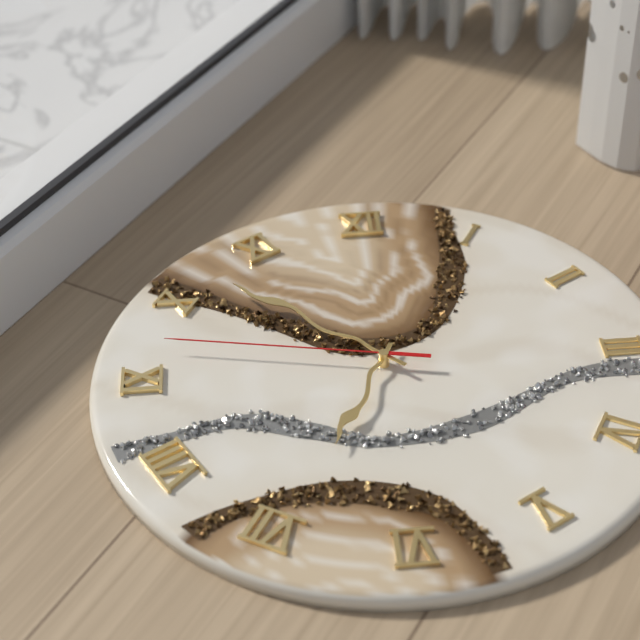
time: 6:52:47
